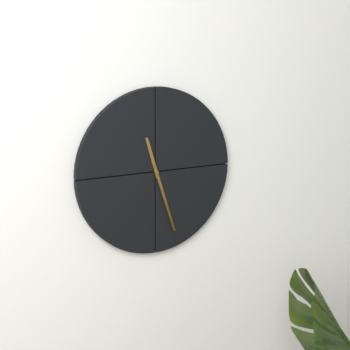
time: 11:27
